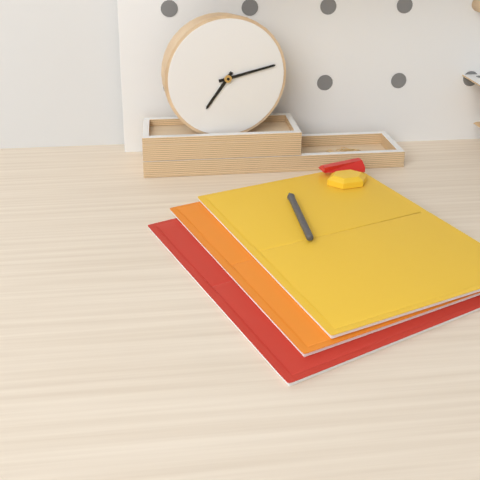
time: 7:13
